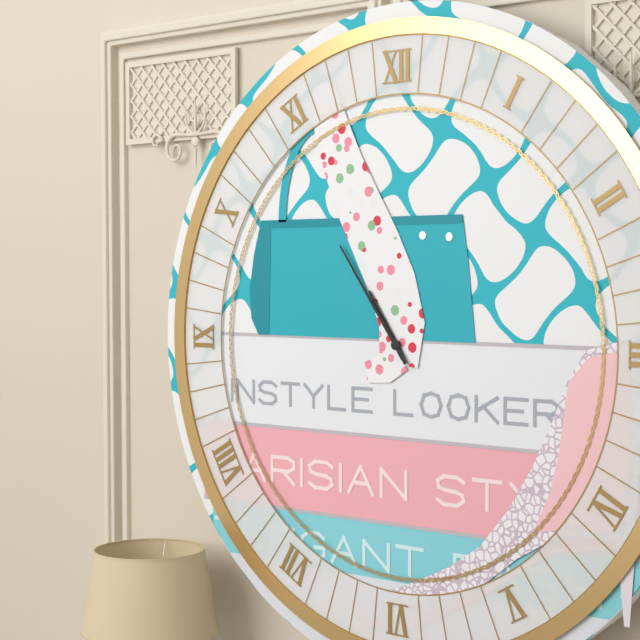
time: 10:54
